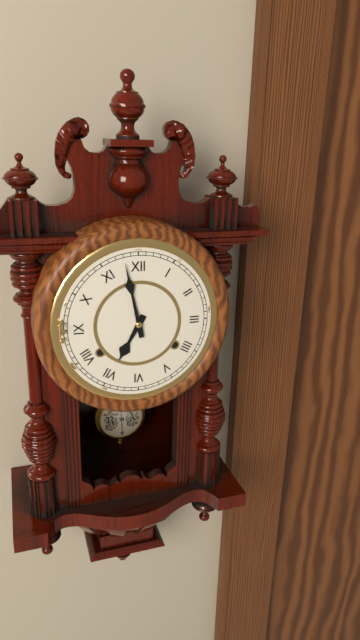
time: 6:58
